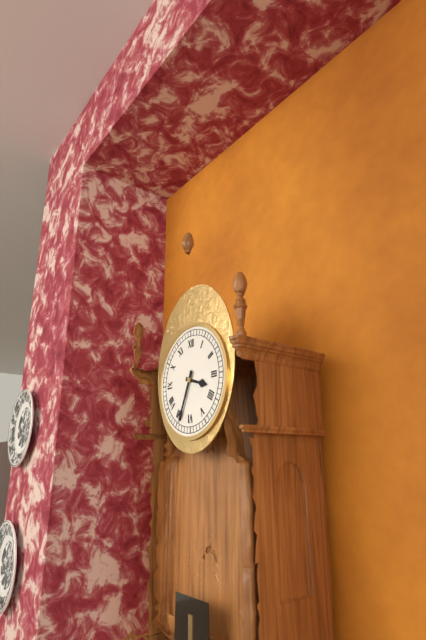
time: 3:34
